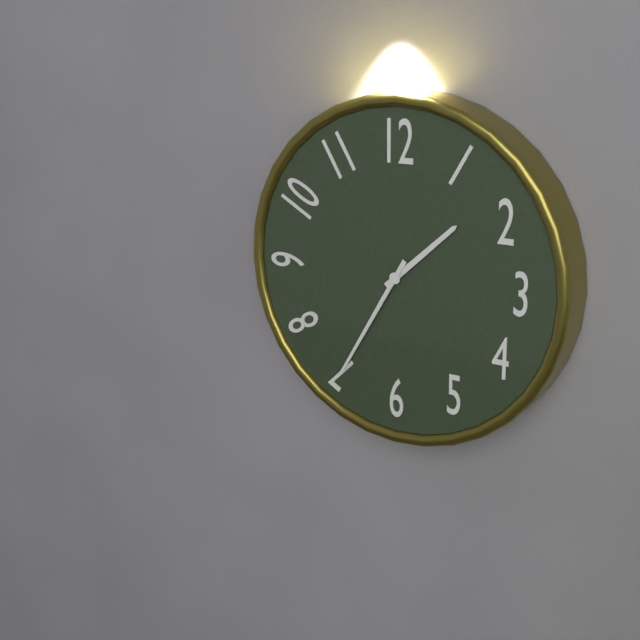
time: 1:35
